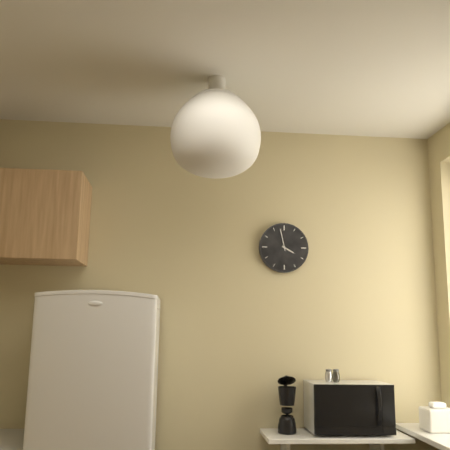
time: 3:58
